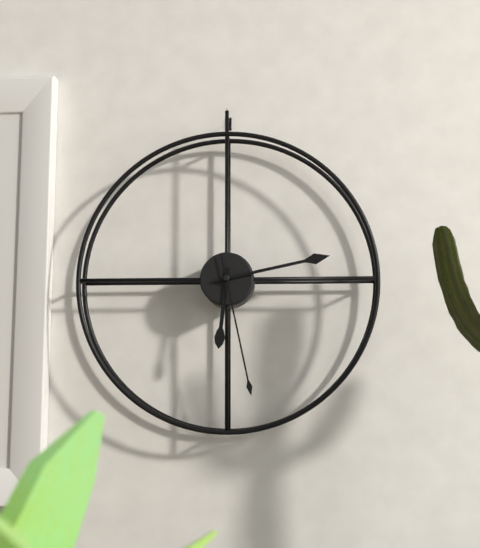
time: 6:13:28
